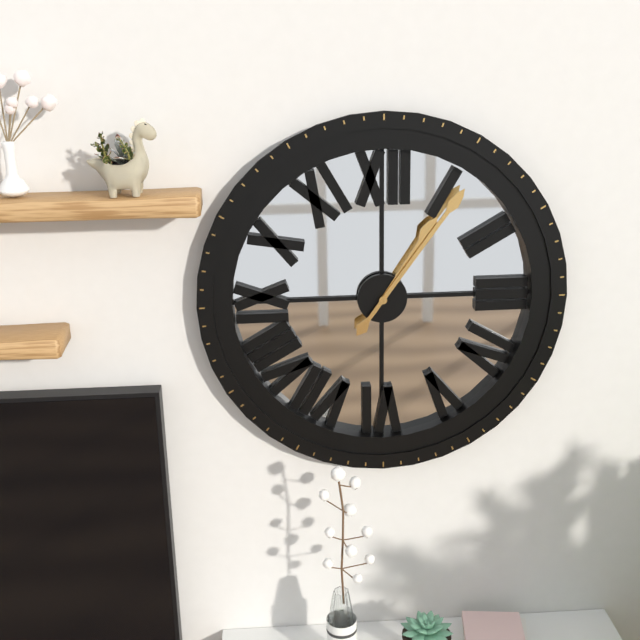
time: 1:06
